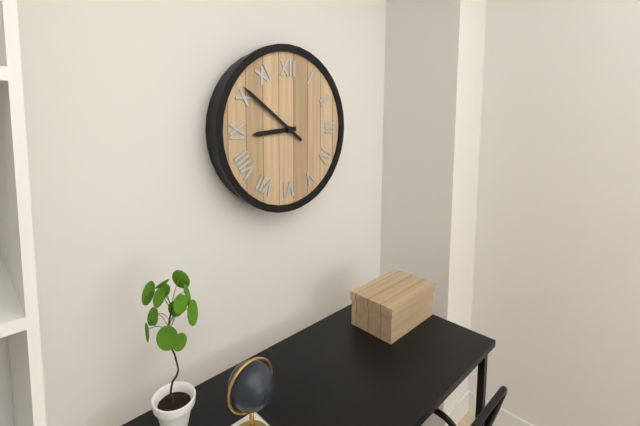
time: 8:51
